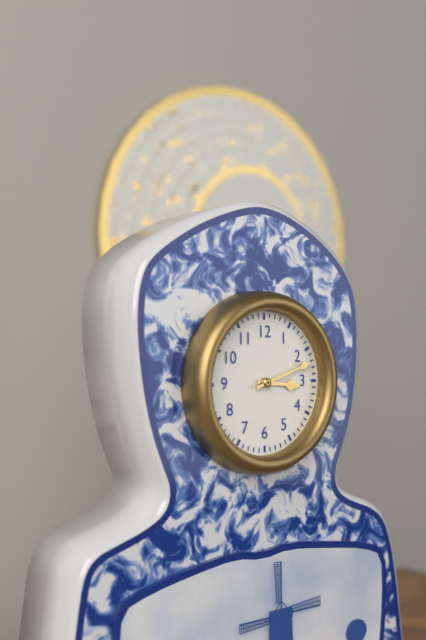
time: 3:12
